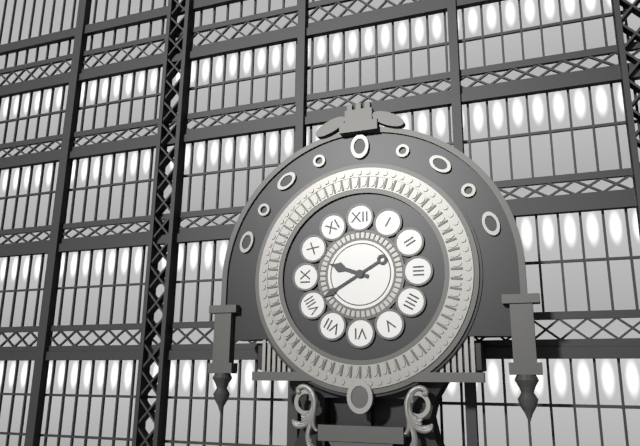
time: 9:40
